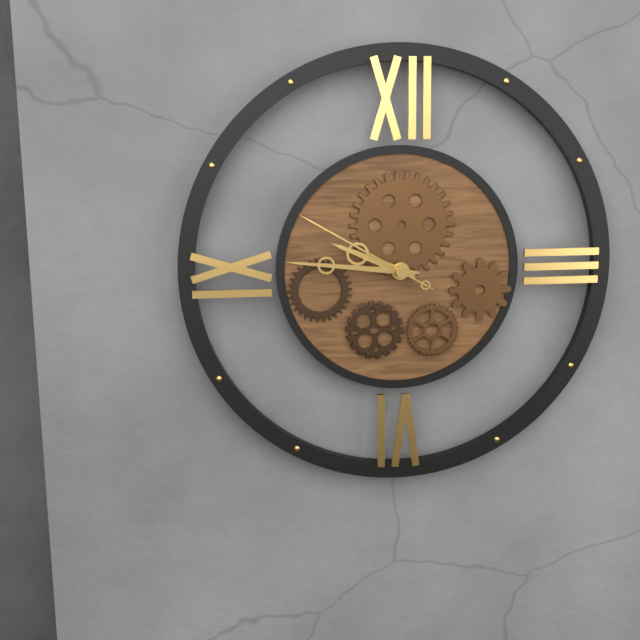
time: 9:46:50
